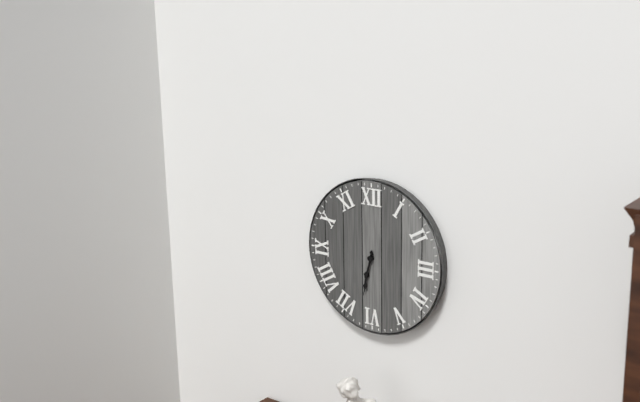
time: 6:32
